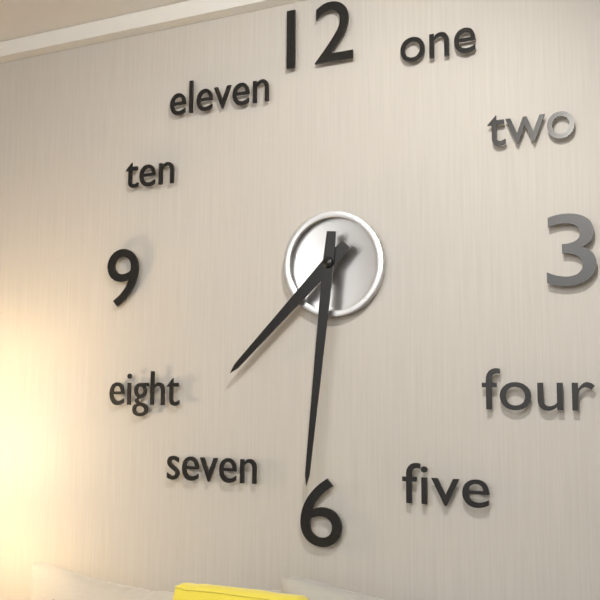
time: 7:31
